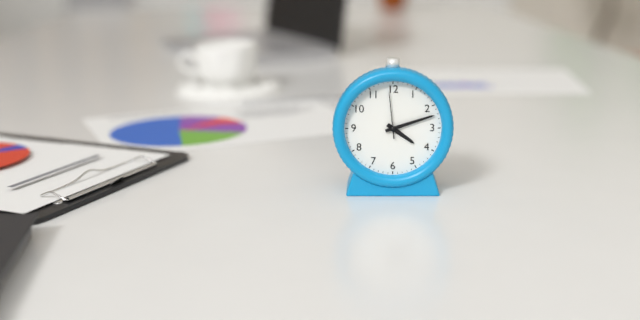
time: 4:12
